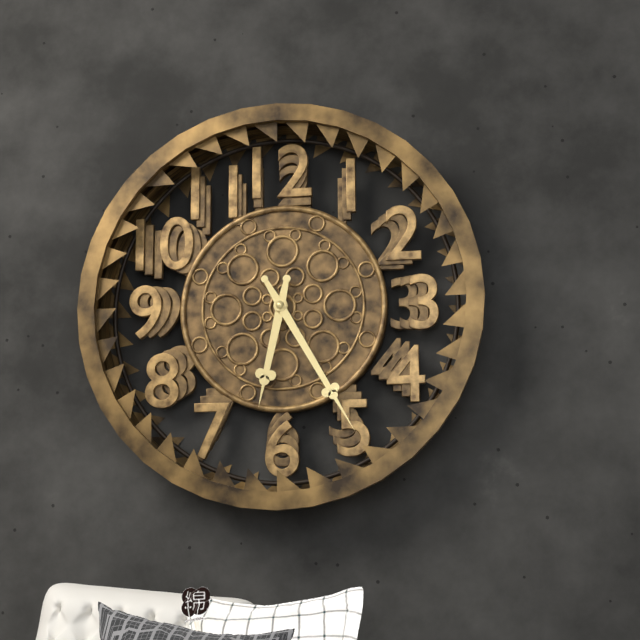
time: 6:25
